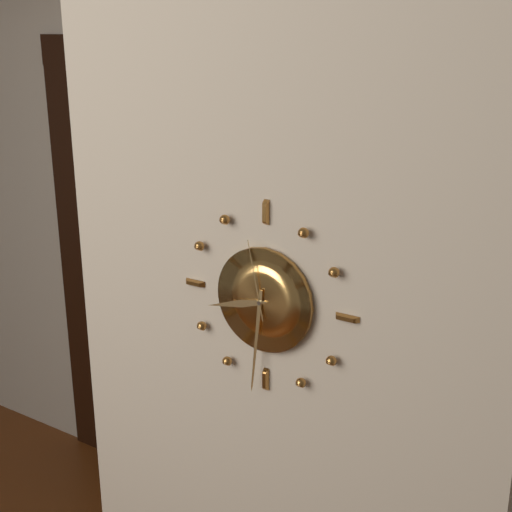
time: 8:31:58
